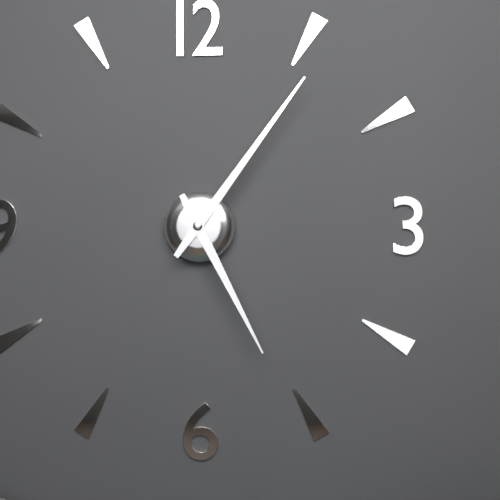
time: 5:06
